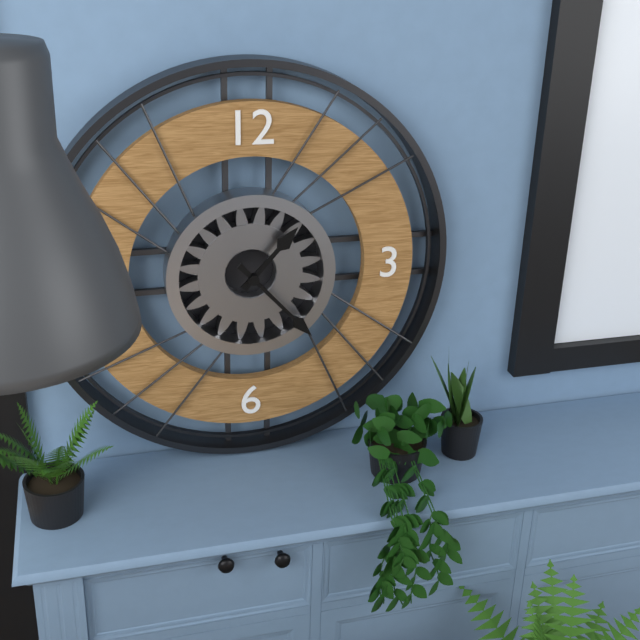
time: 1:23
